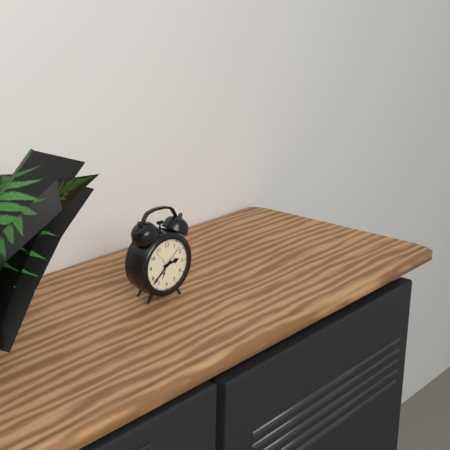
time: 2:38
